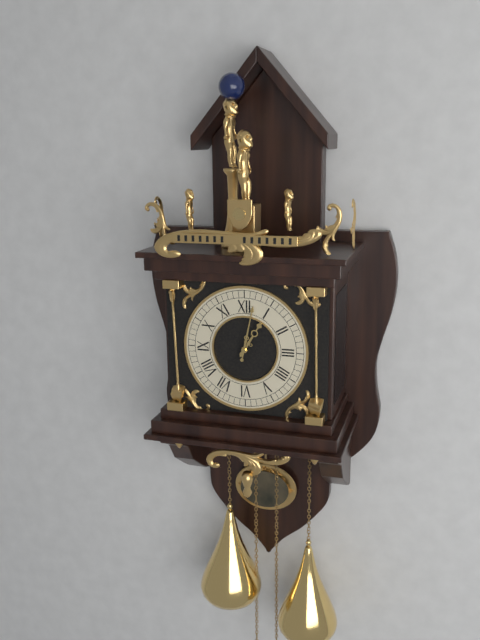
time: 1:02
